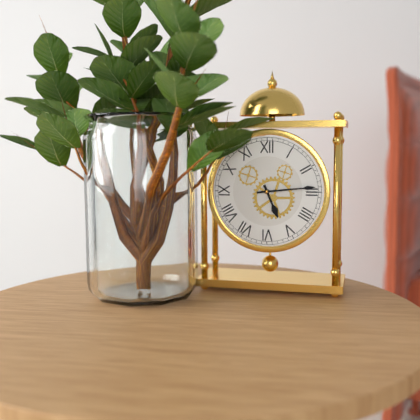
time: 5:14
